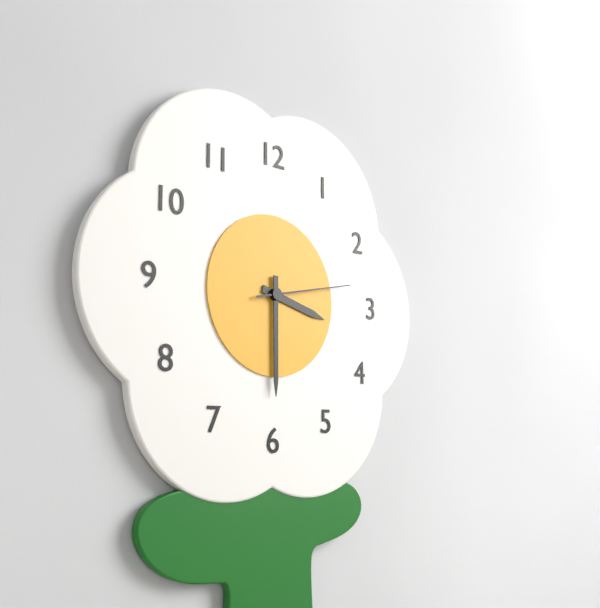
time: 3:30:13
